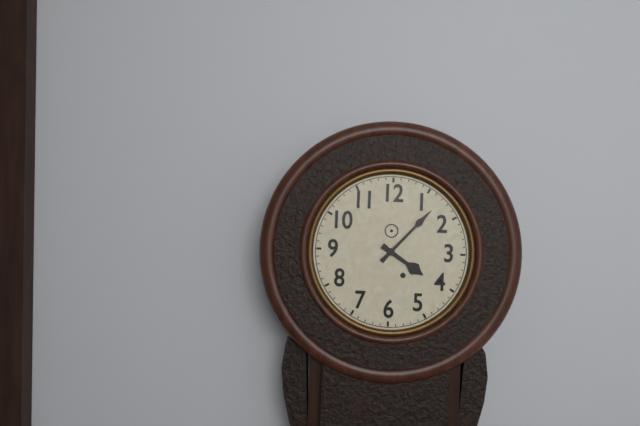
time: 4:07
